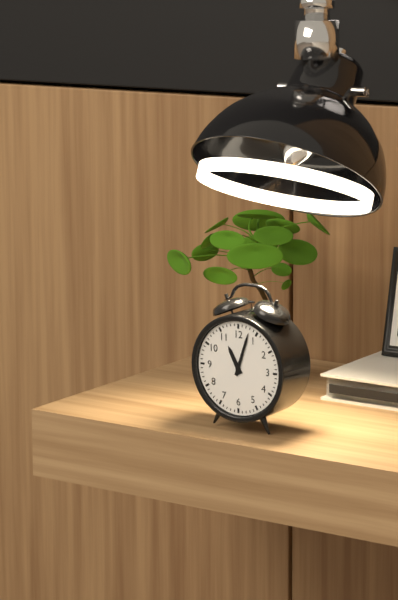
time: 11:03
